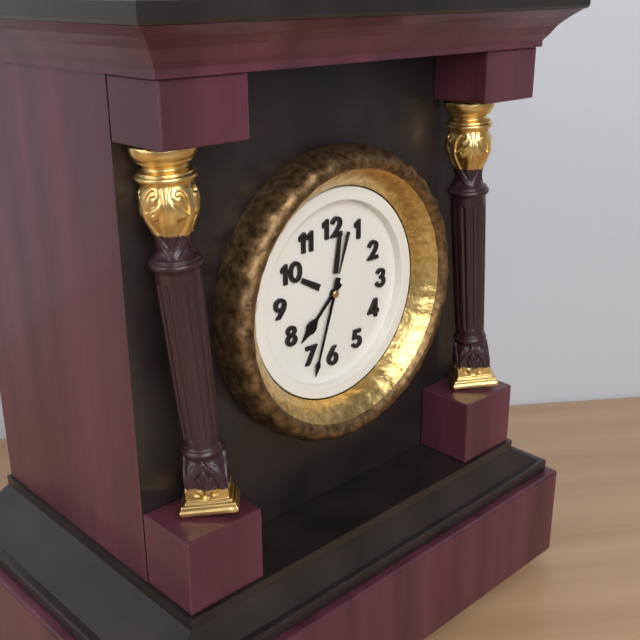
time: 7:33
